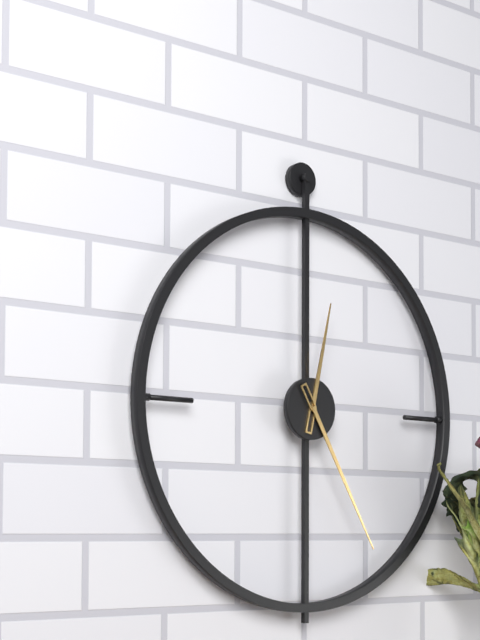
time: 12:25
